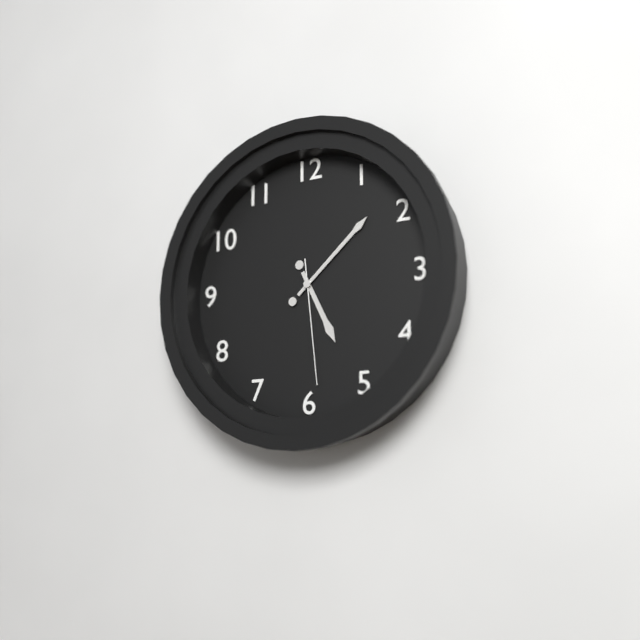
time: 5:08:29
